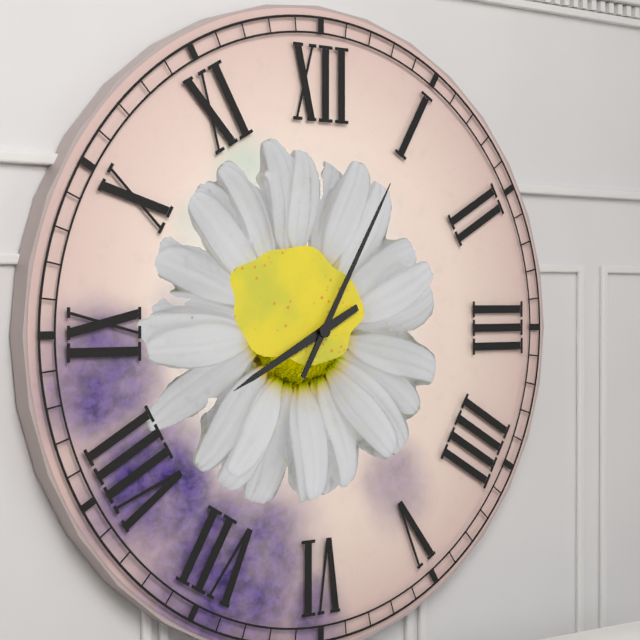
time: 8:05
